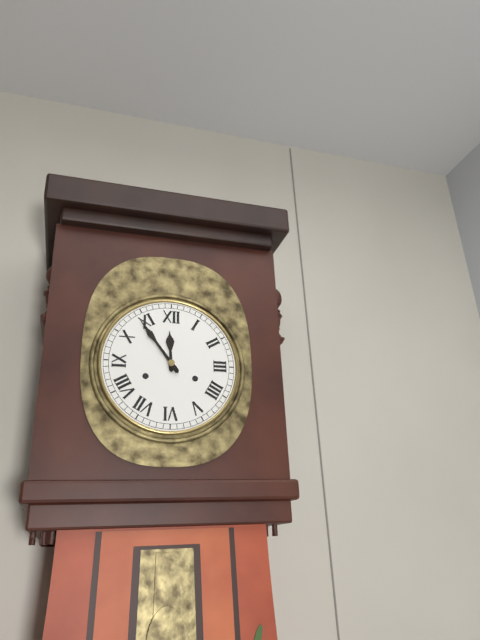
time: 11:54
